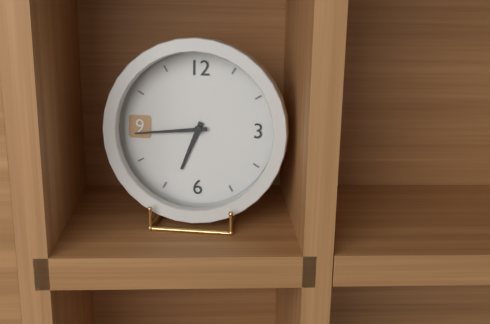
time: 6:44
